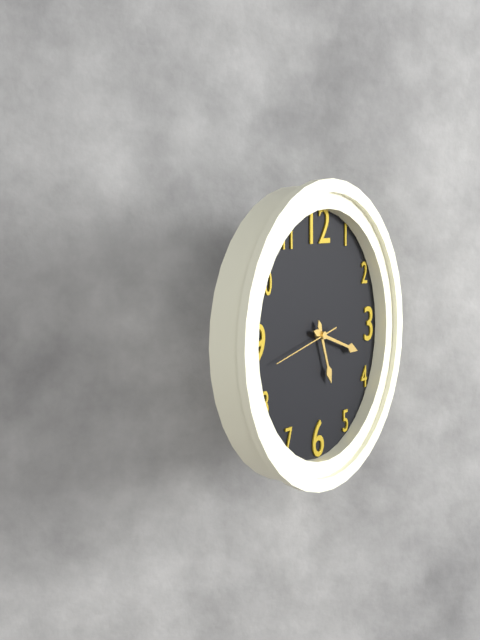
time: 5:18:43
